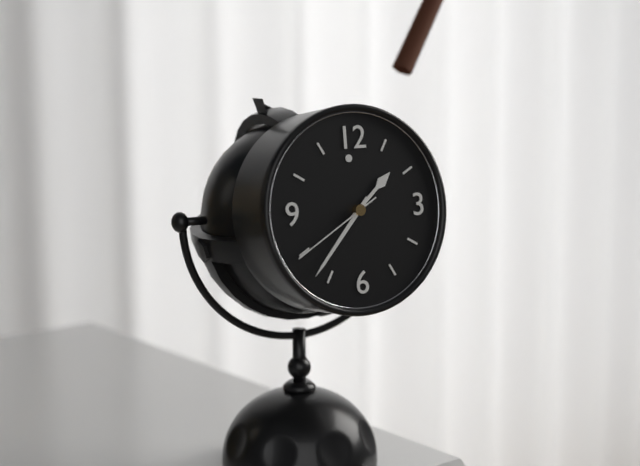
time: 1:37:40
